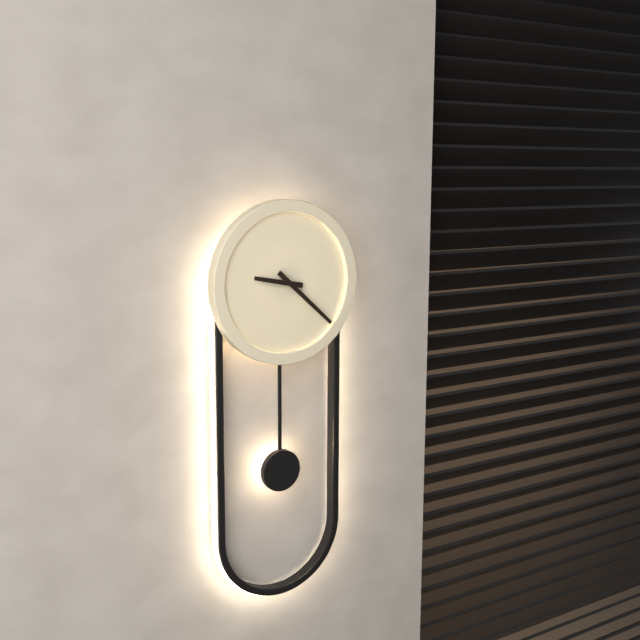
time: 9:22
